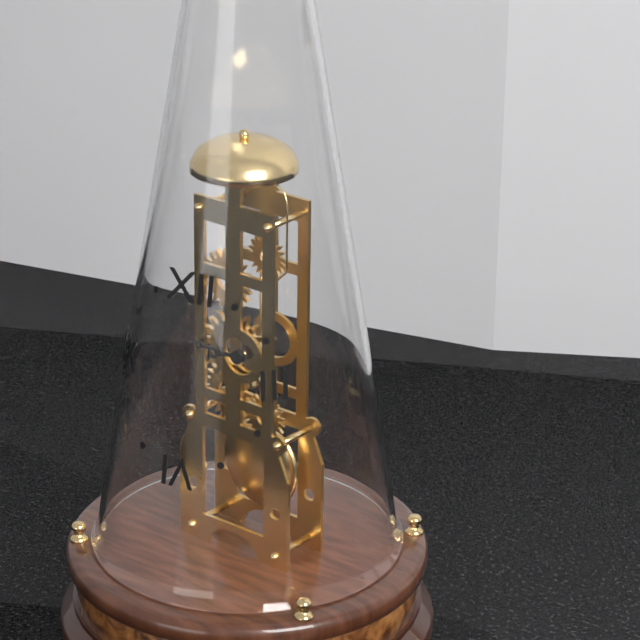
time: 8:45
